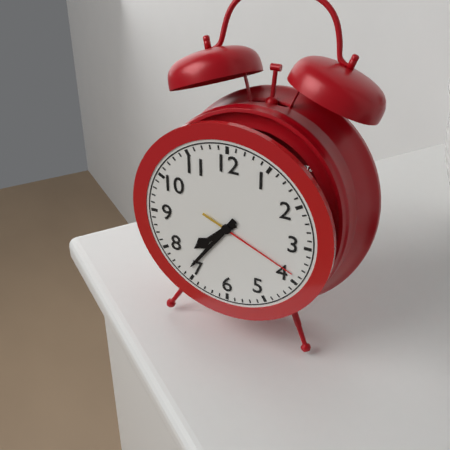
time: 7:36:19
